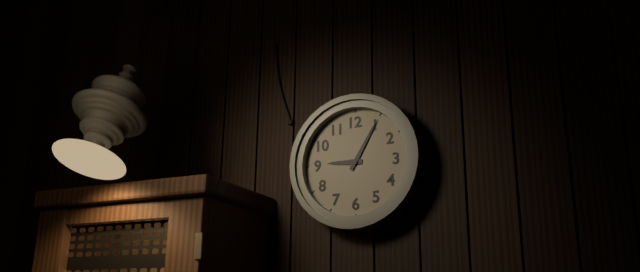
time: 9:05
